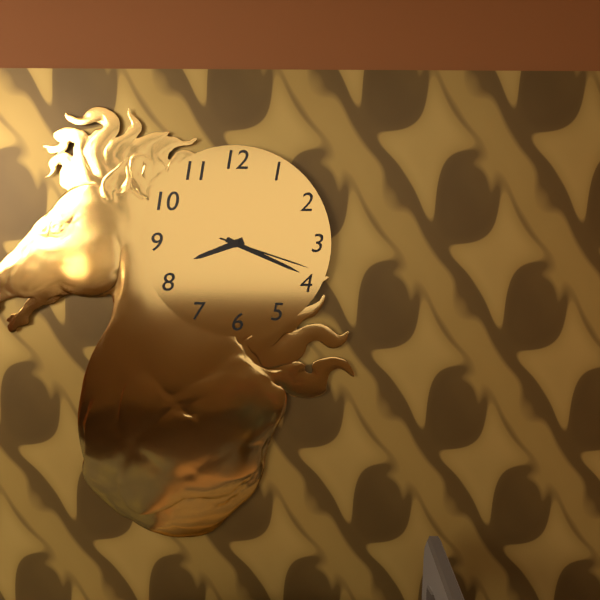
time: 8:19:18
